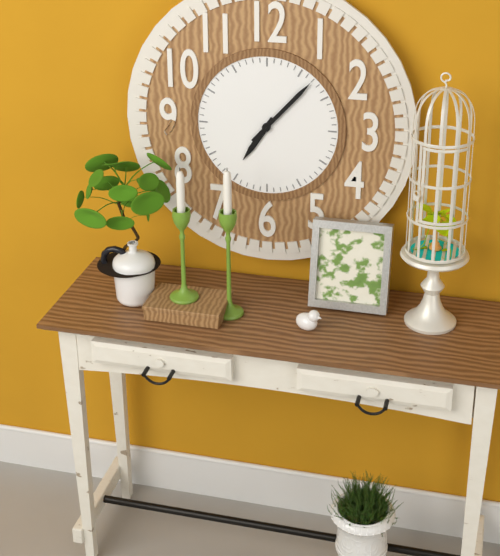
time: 7:07
